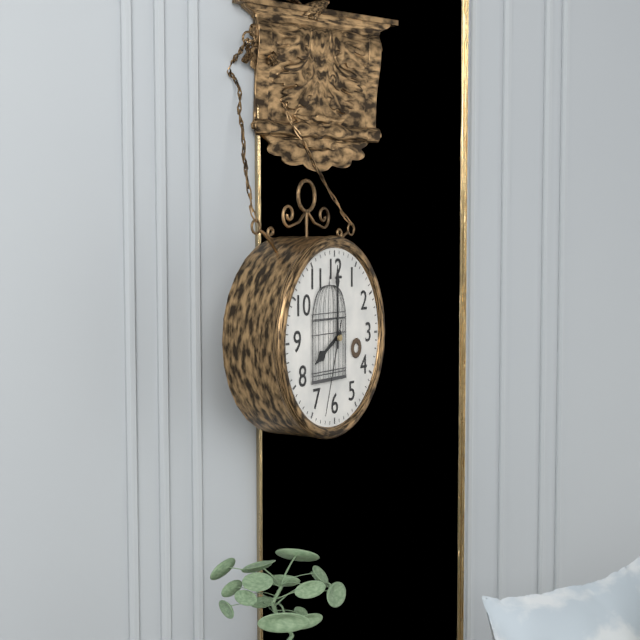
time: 8:00:33
